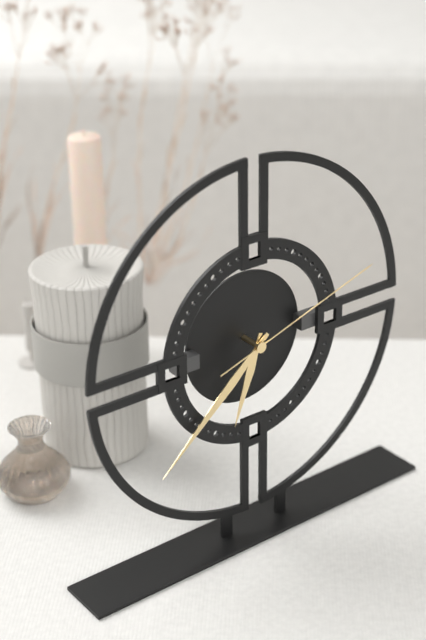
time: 6:38:12
